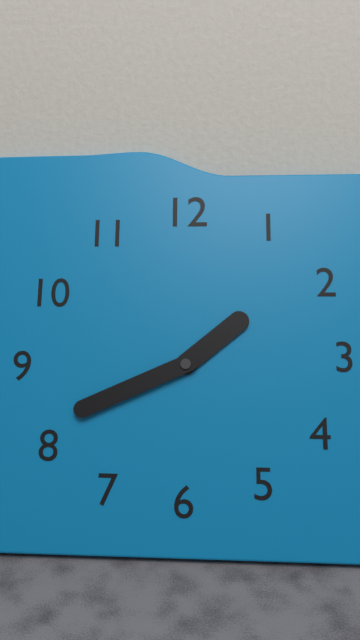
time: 1:41
